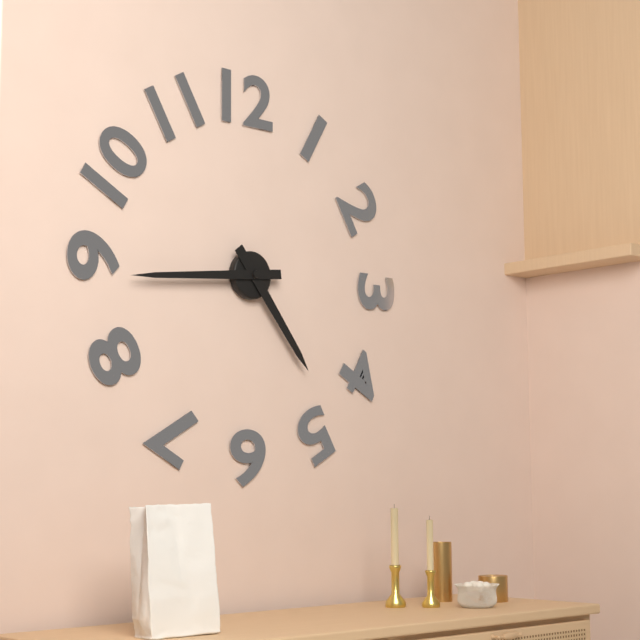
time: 4:44
